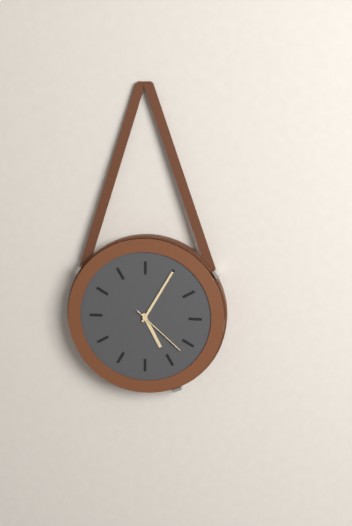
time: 5:05:22
